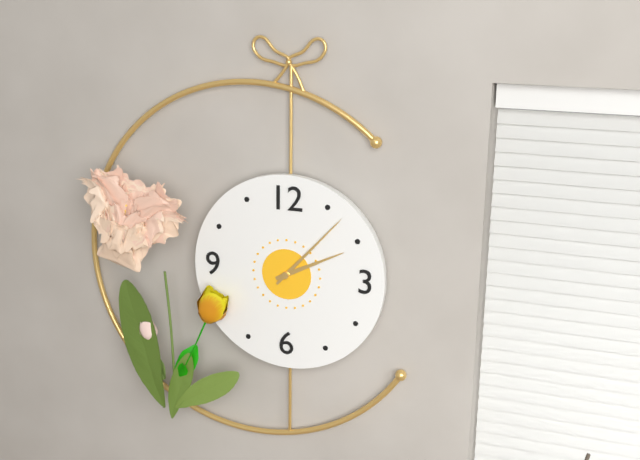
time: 2:07
